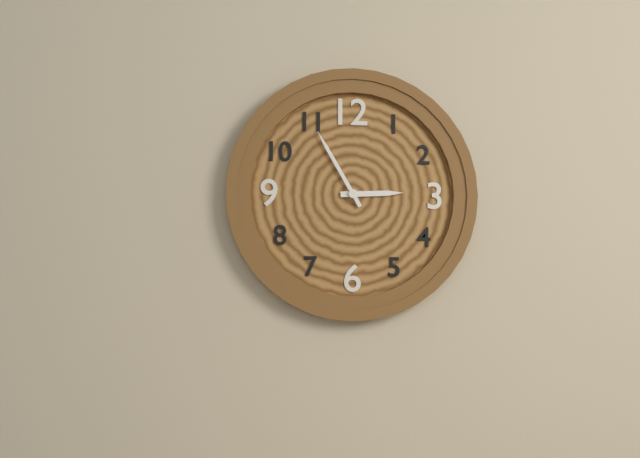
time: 2:55
